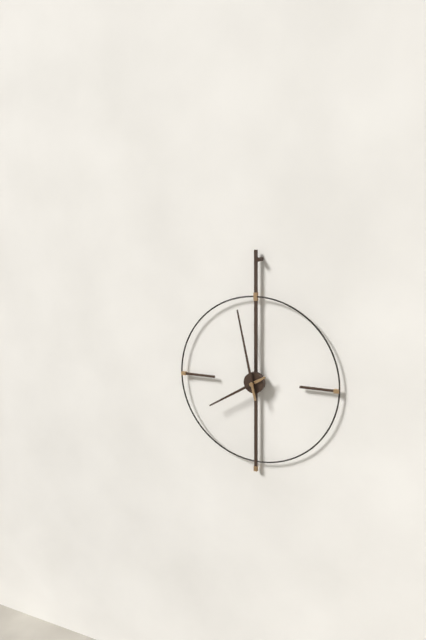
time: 7:58
